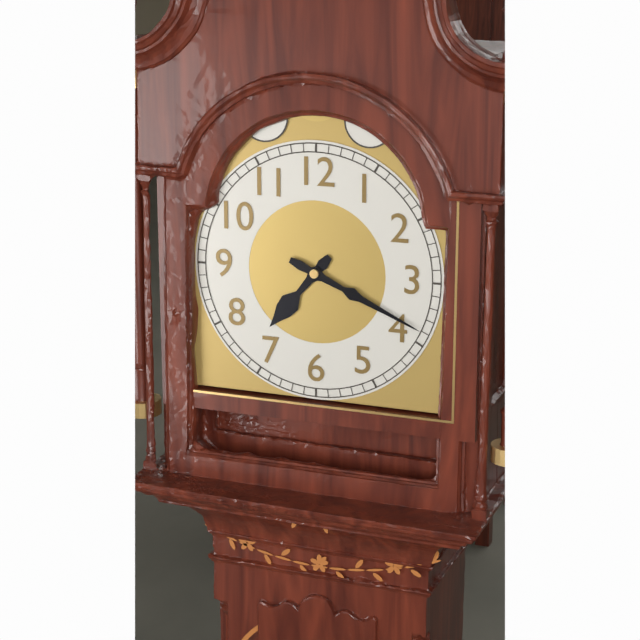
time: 7:19
